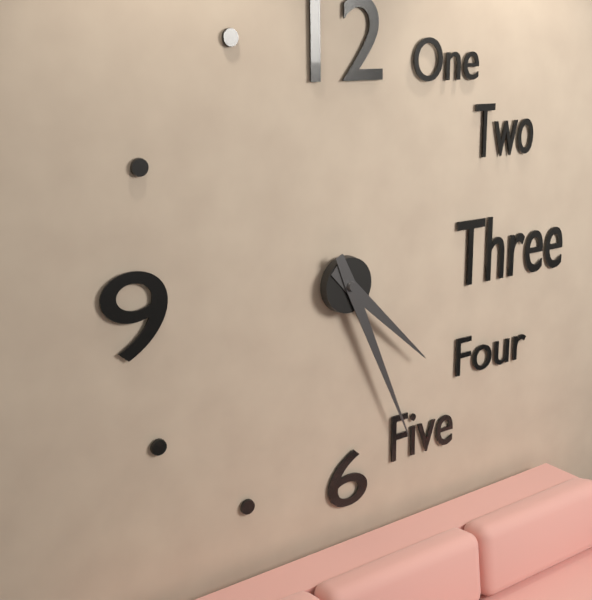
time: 4:26
